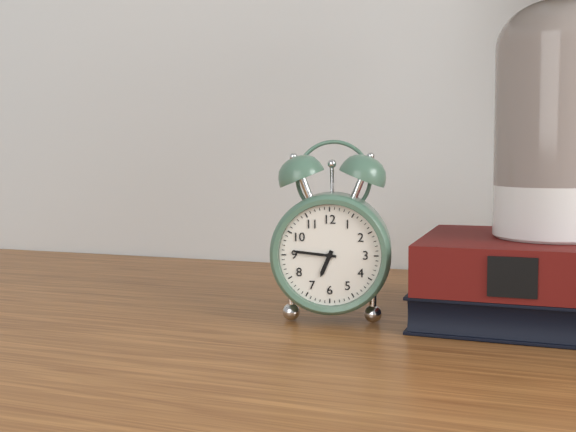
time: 6:46
